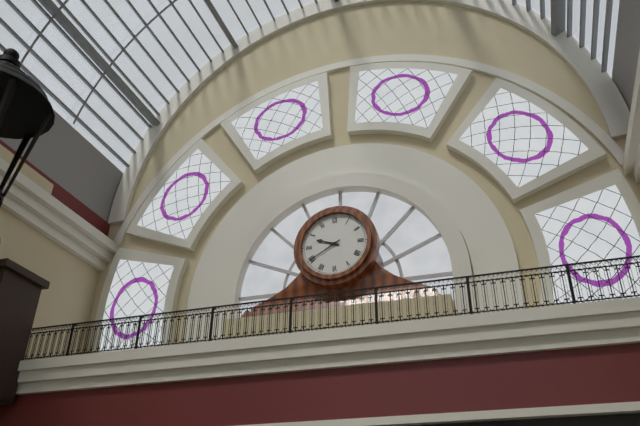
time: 9:40
